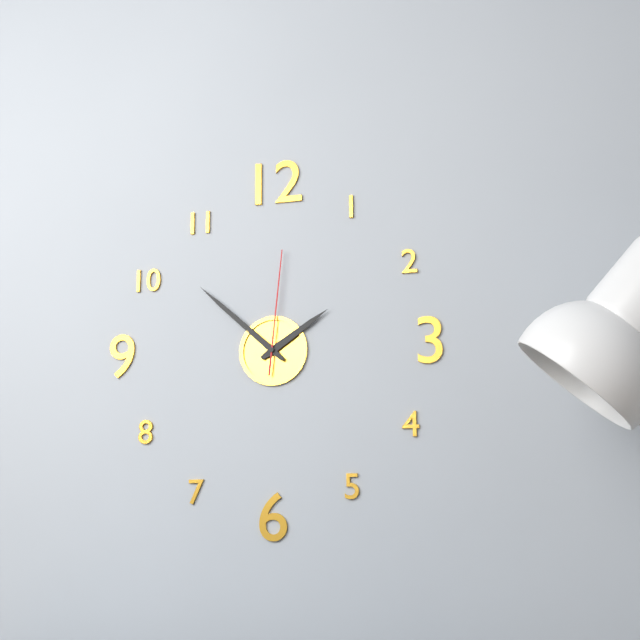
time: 1:52:01
